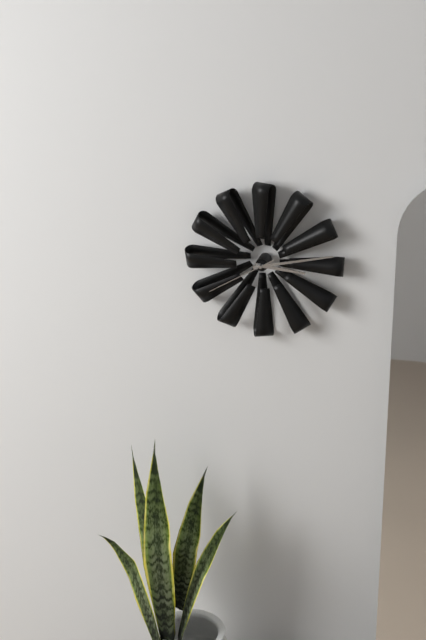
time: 3:13:40
